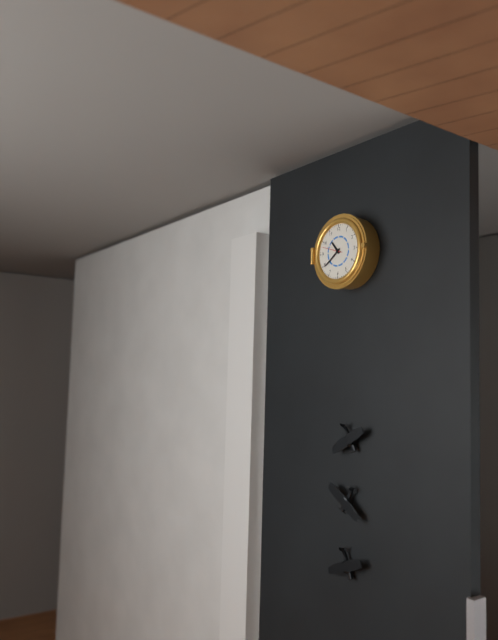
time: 10:39
